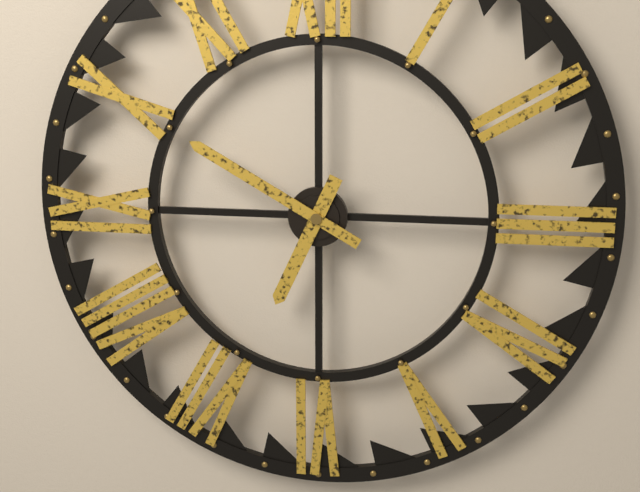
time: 6:50
